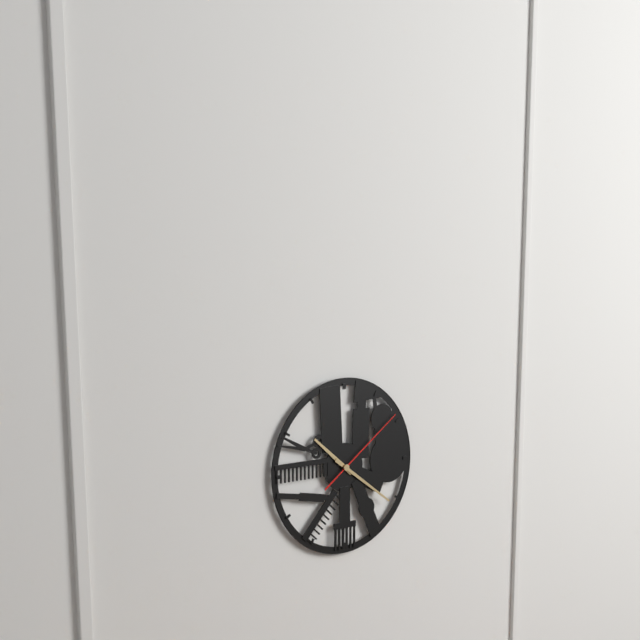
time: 10:21:09
